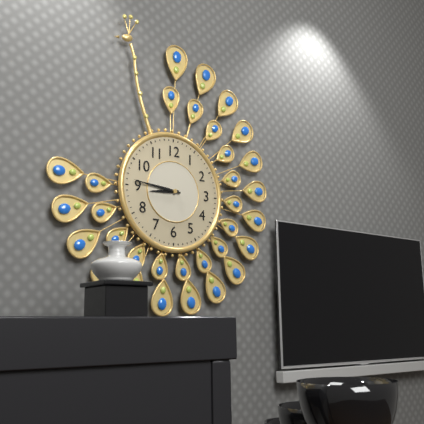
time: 8:46
